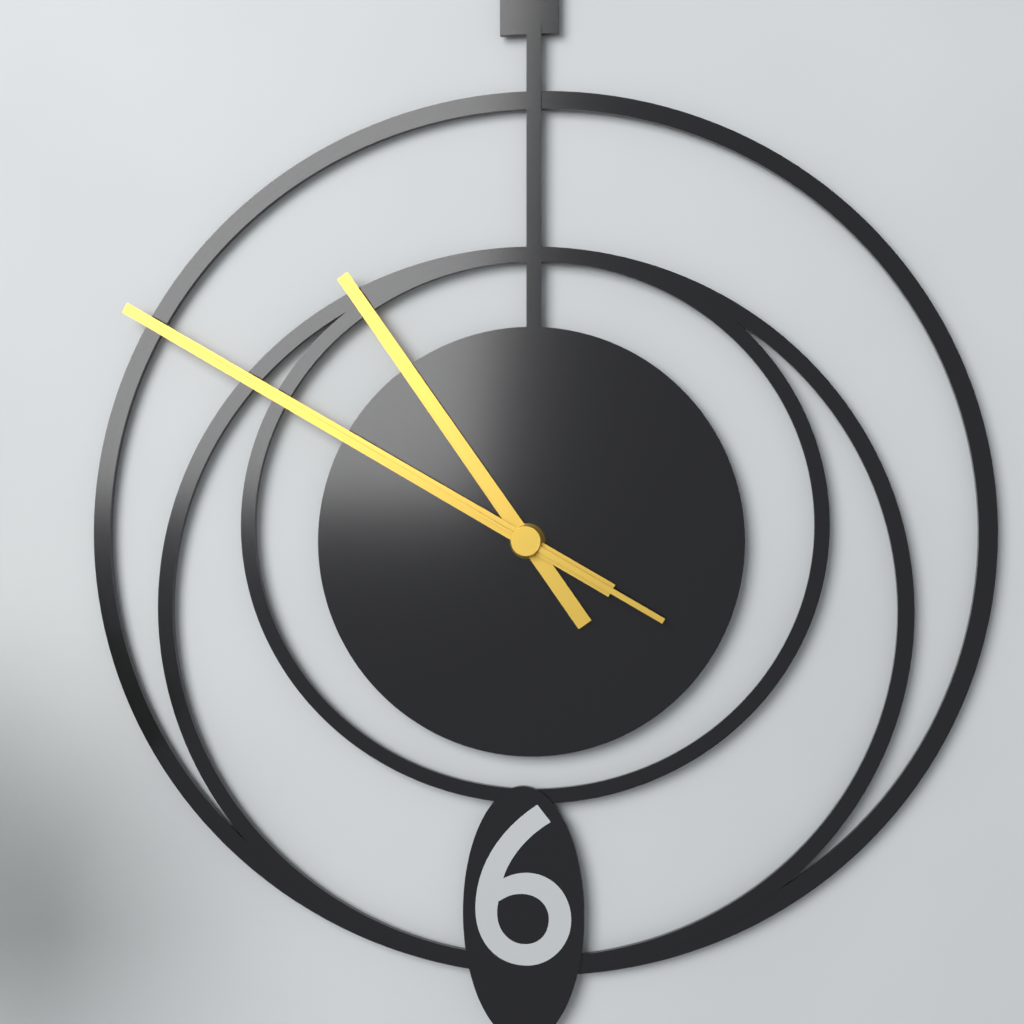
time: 10:50:50
